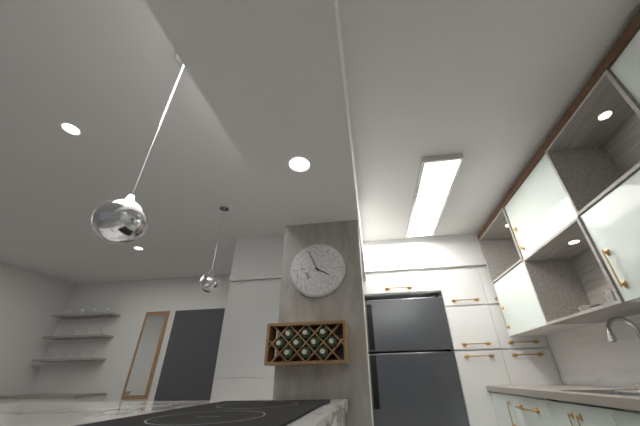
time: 3:56
